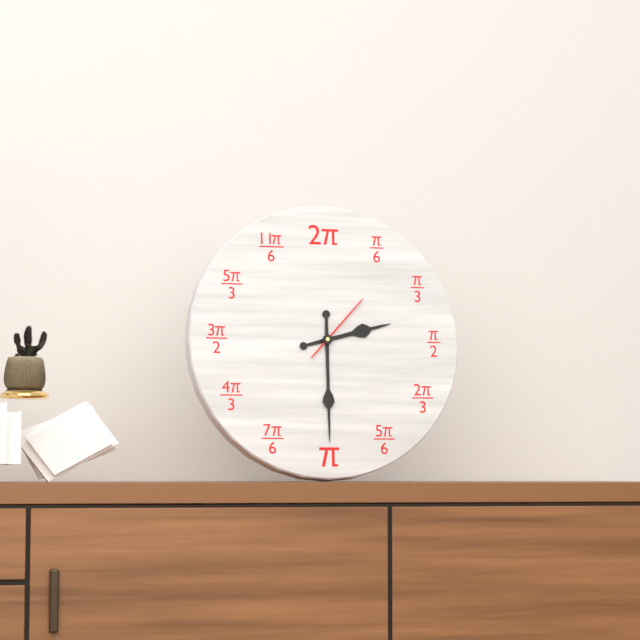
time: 2:30:07
